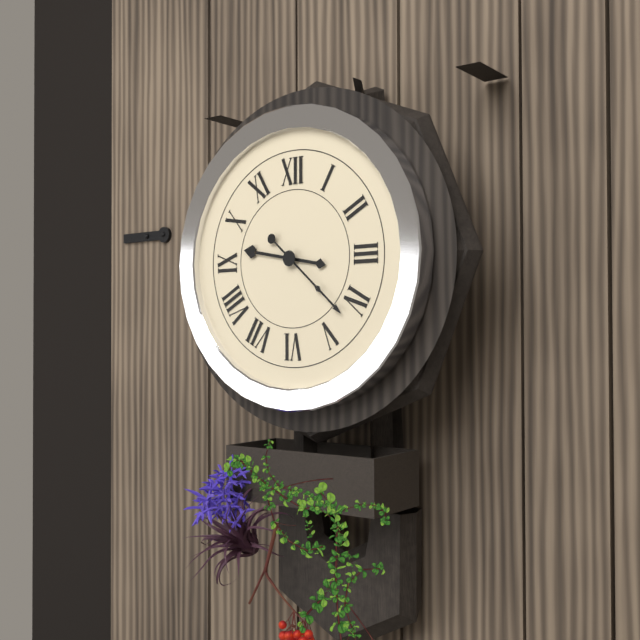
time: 9:22
